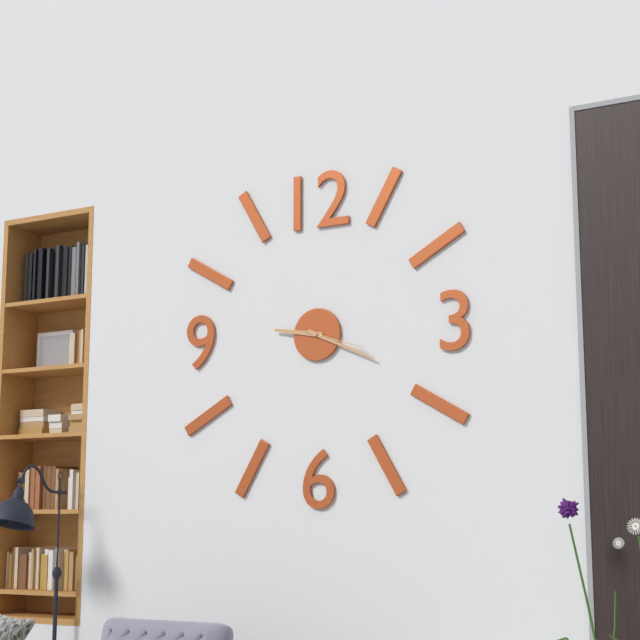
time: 9:19:18
